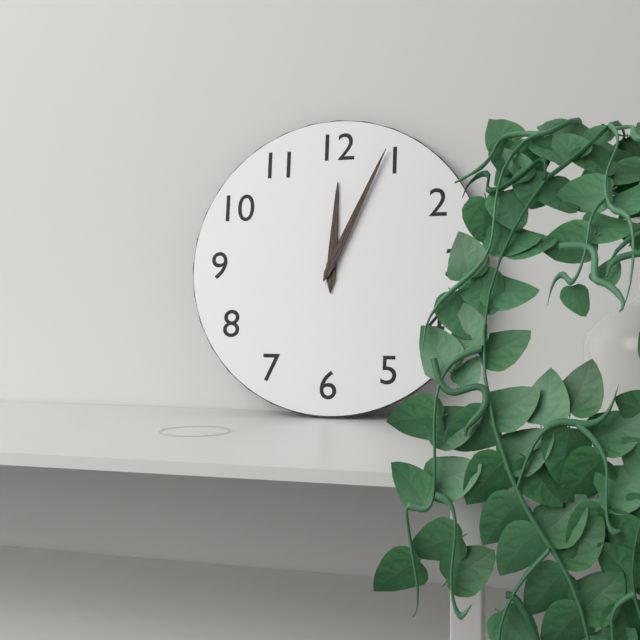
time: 12:04
